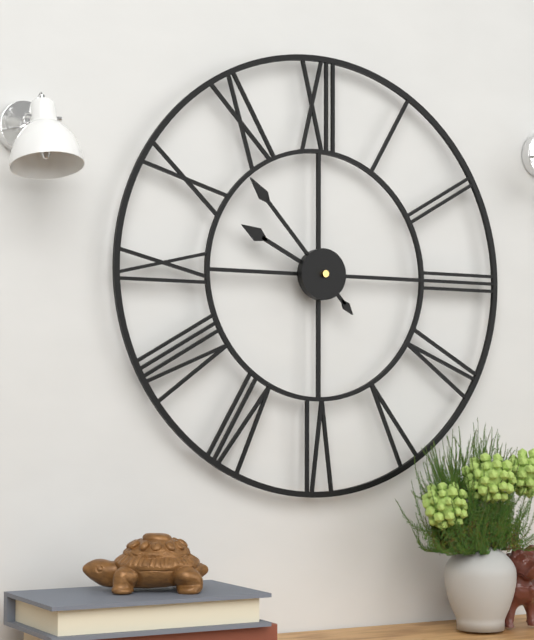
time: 9:53
